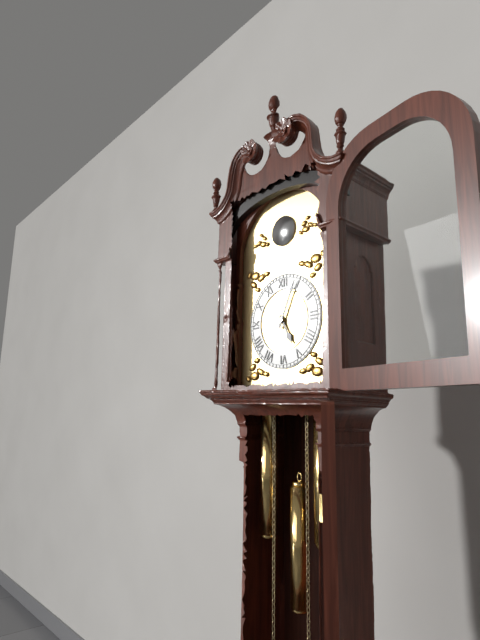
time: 5:04
